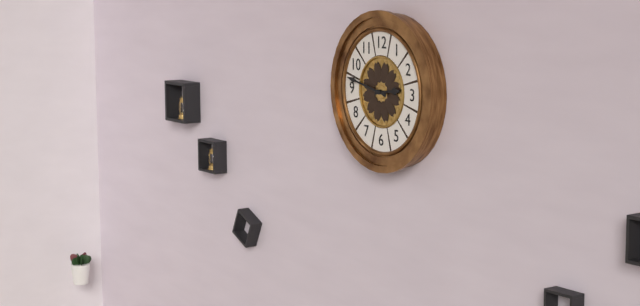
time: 2:47
